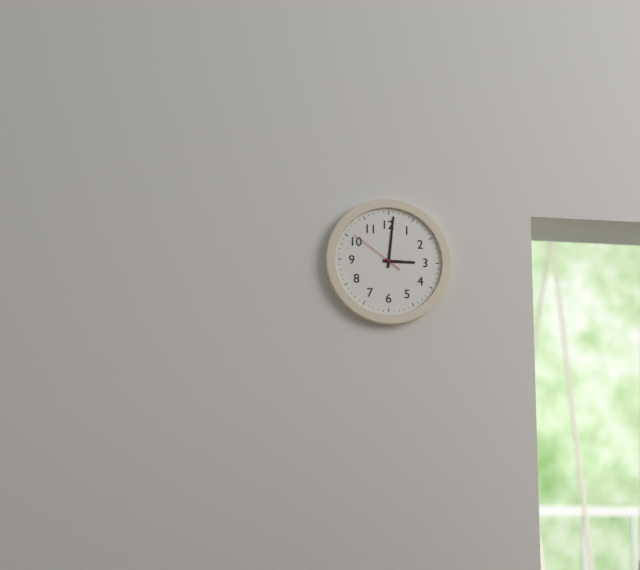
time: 3:01:51
